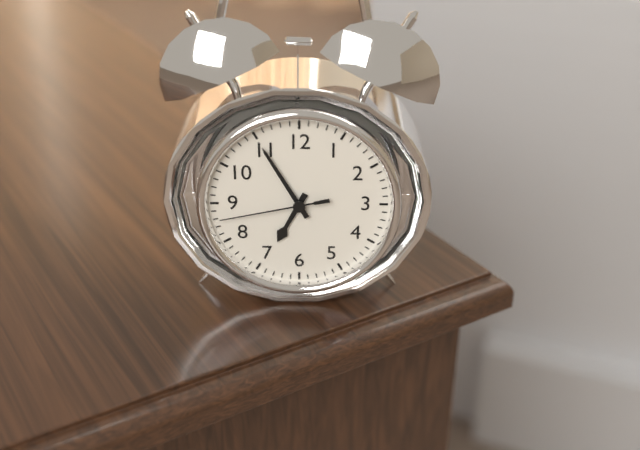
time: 6:55:43
